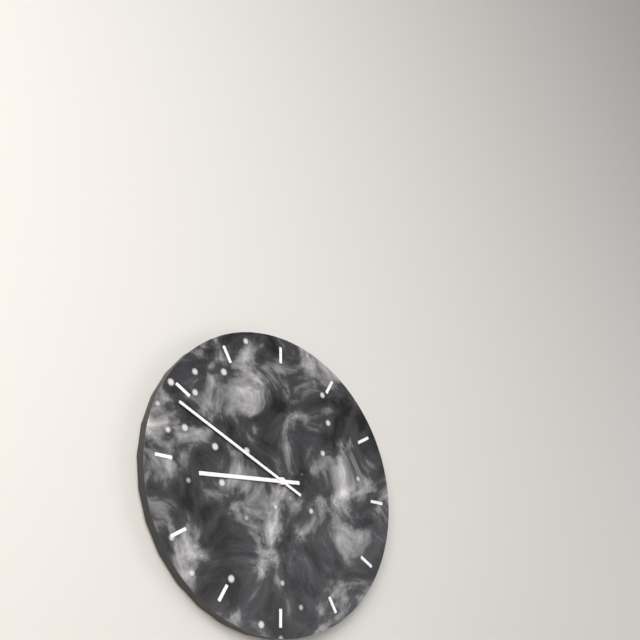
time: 8:49
